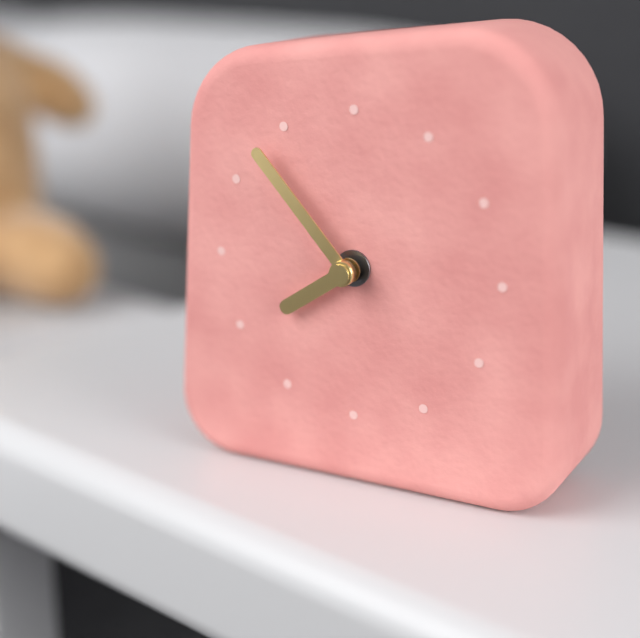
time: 7:53
